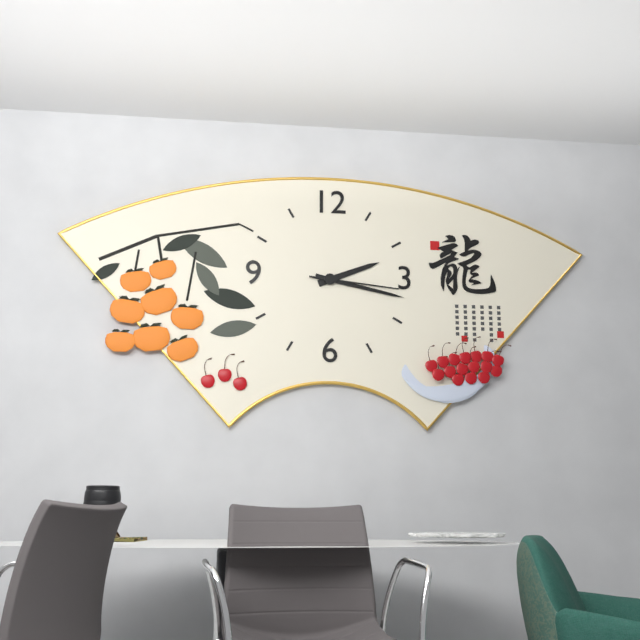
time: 2:17:16
